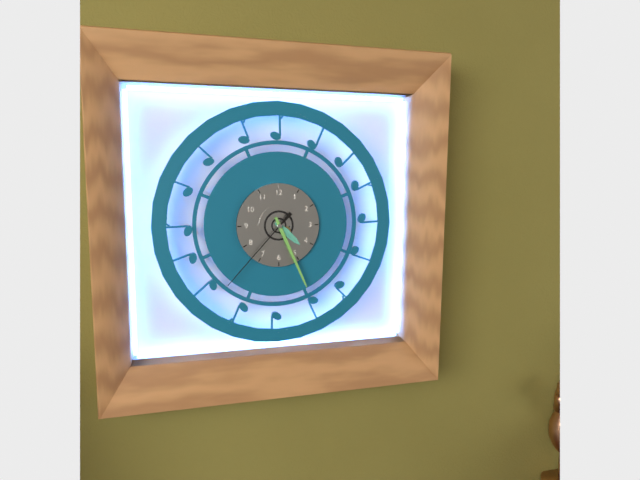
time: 4:26:37
